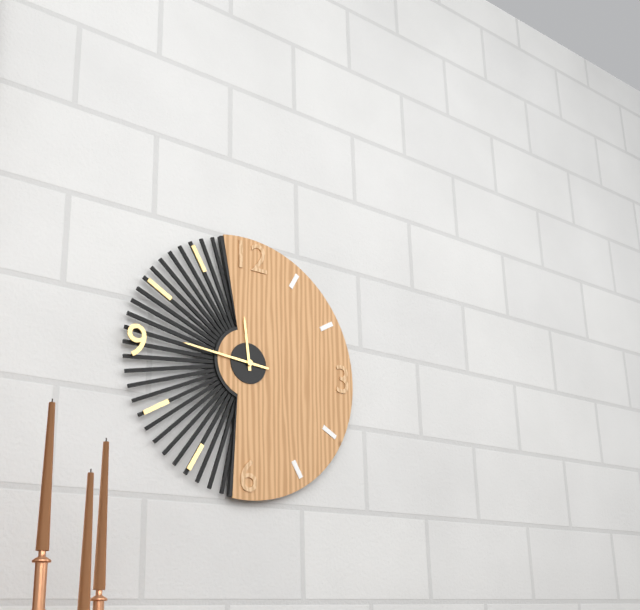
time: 11:46
